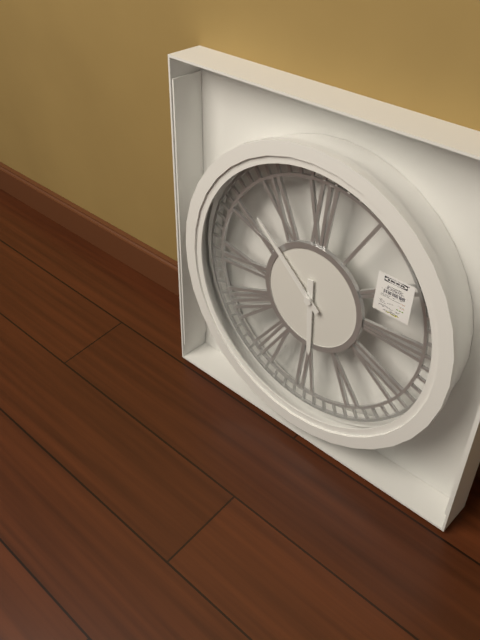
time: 5:52
